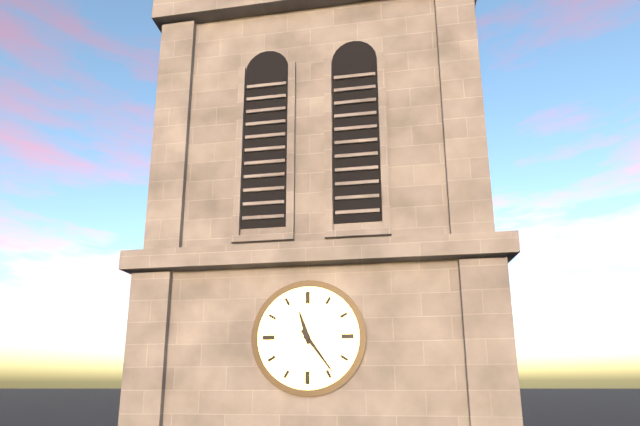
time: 11:24
